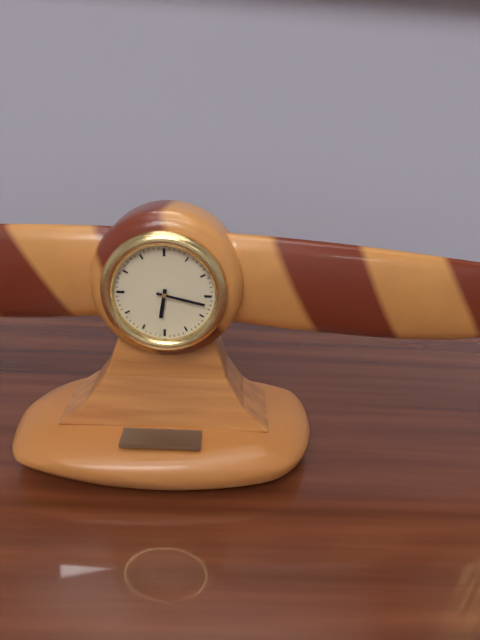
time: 6:17
